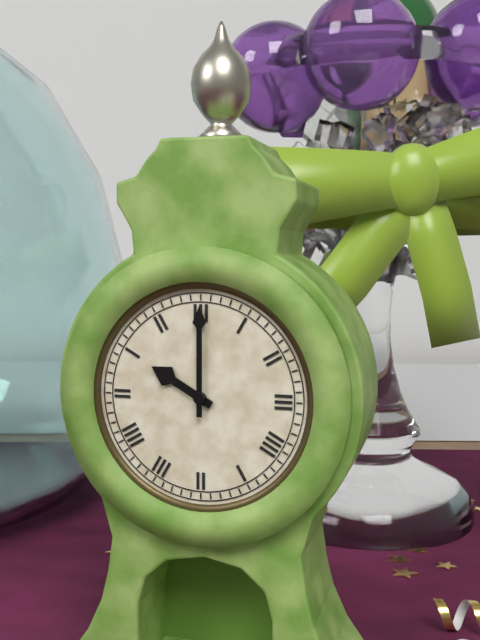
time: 10:00
